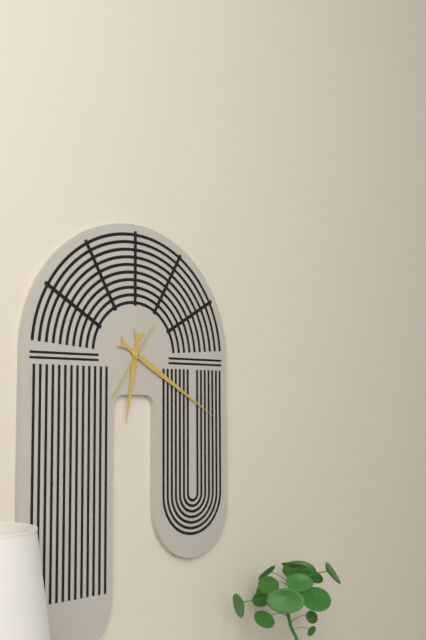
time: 6:20:36
